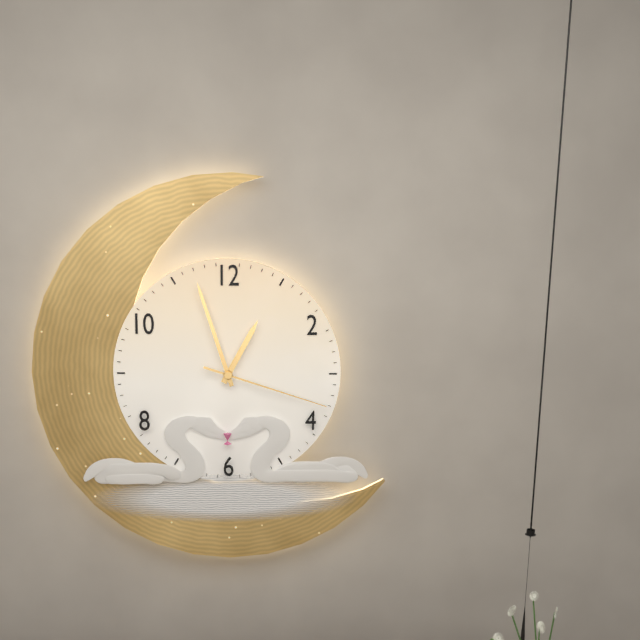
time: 12:57:18
